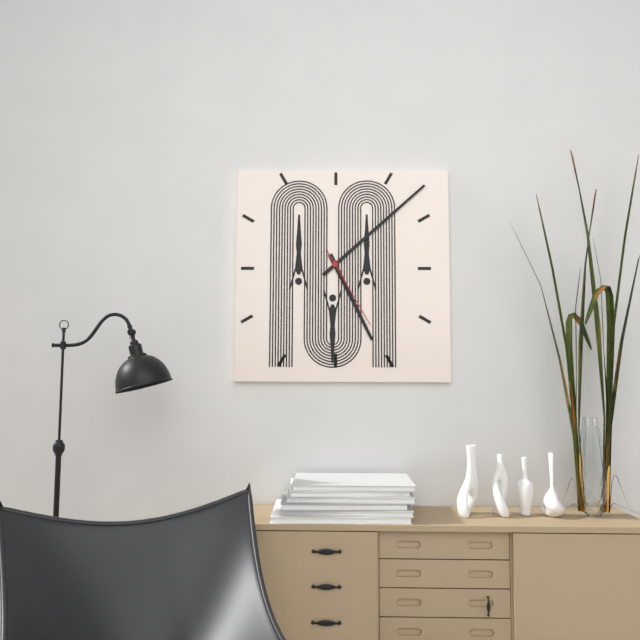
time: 5:08:25
